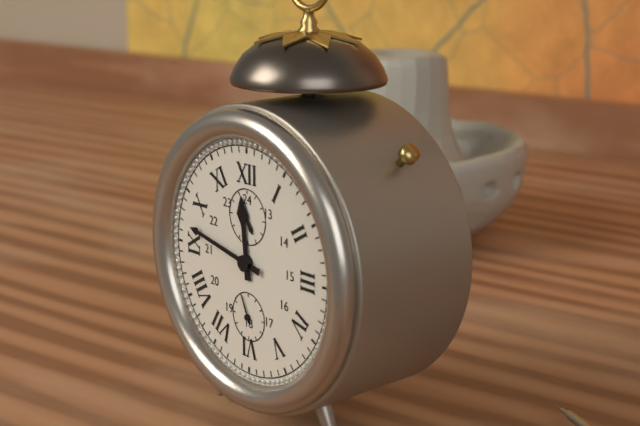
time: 11:47:56
